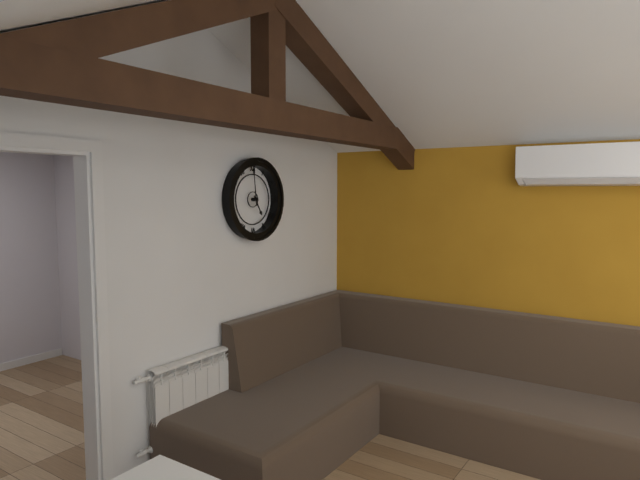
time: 4:59
